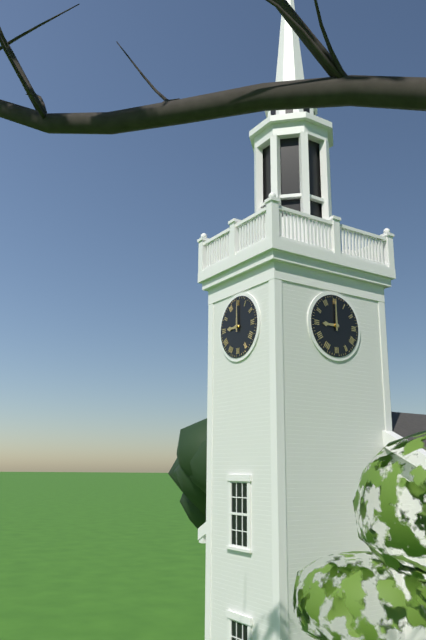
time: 9:00
